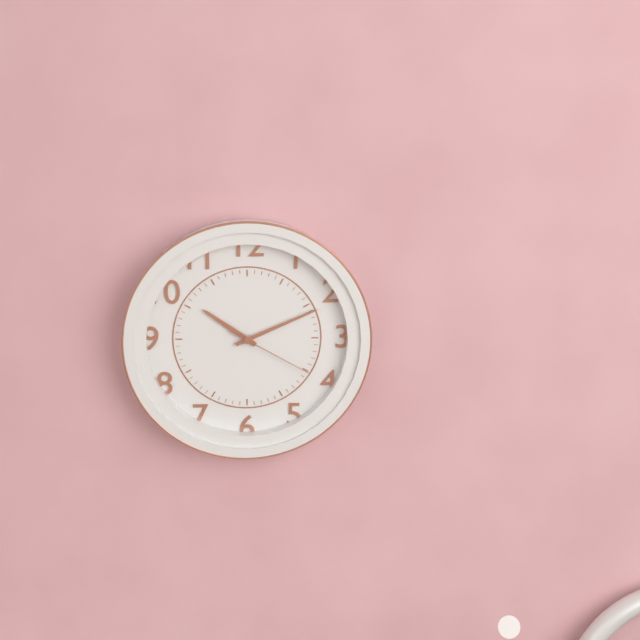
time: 10:11:20
